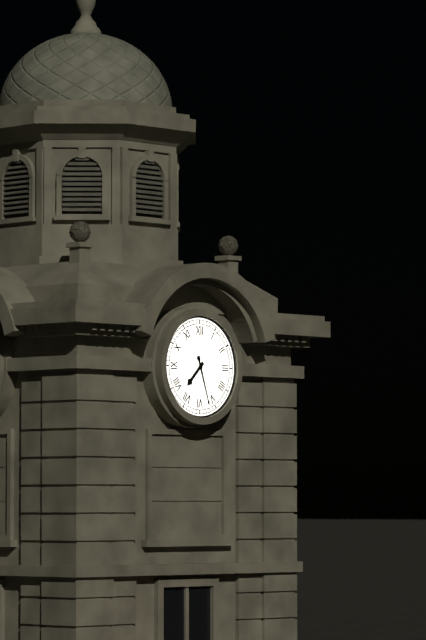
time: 7:27
